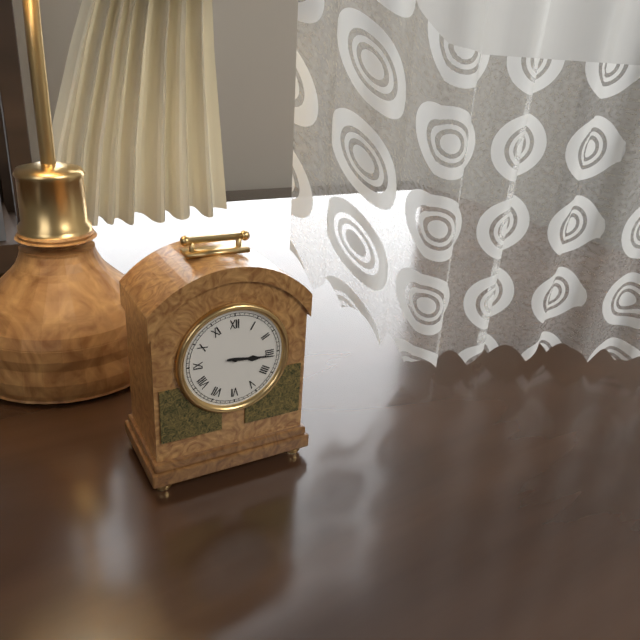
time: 3:16
